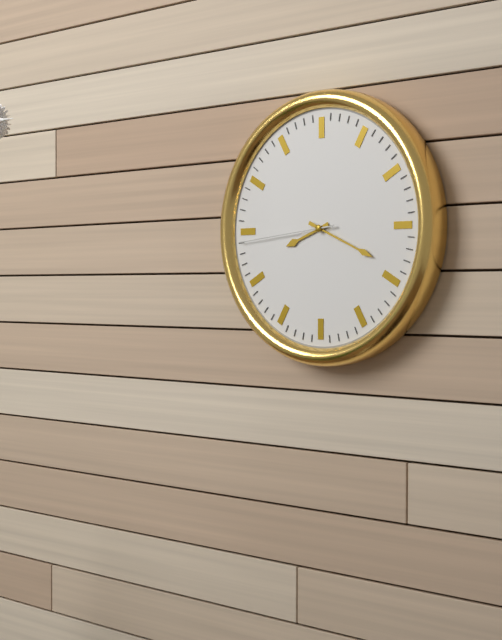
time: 8:19:44
